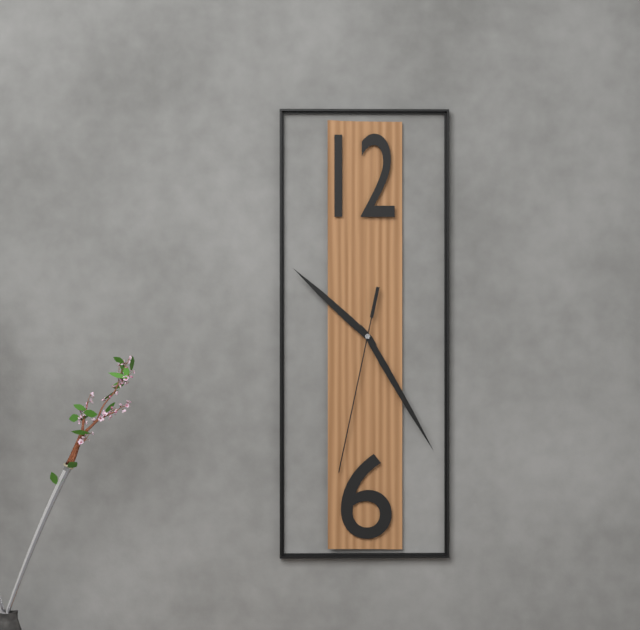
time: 10:25:32
